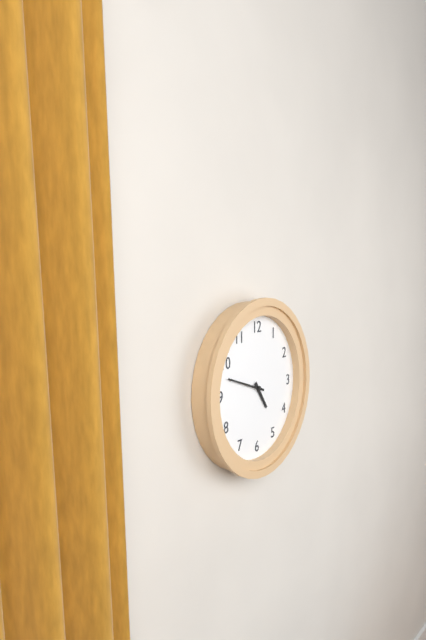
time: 4:48
